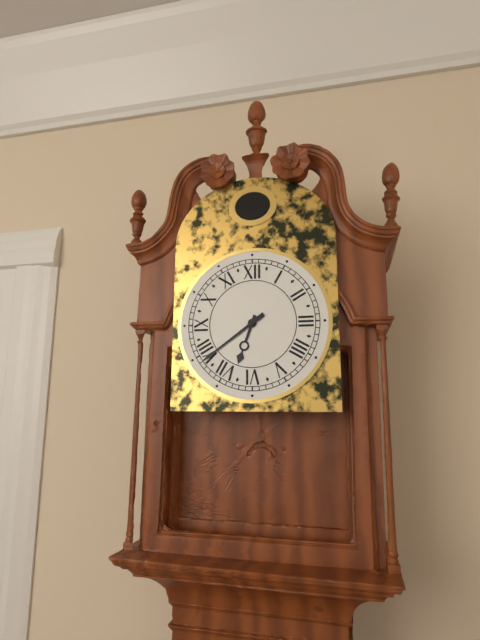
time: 6:39
